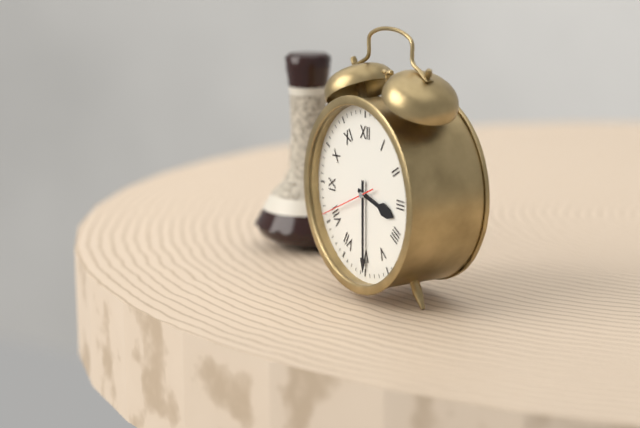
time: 3:30:41
